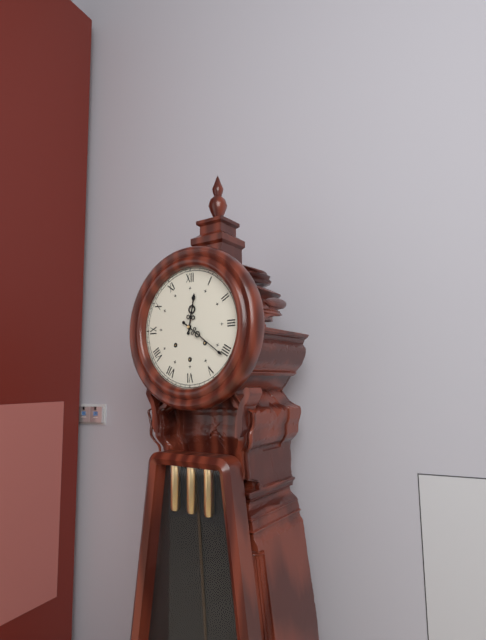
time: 12:21
